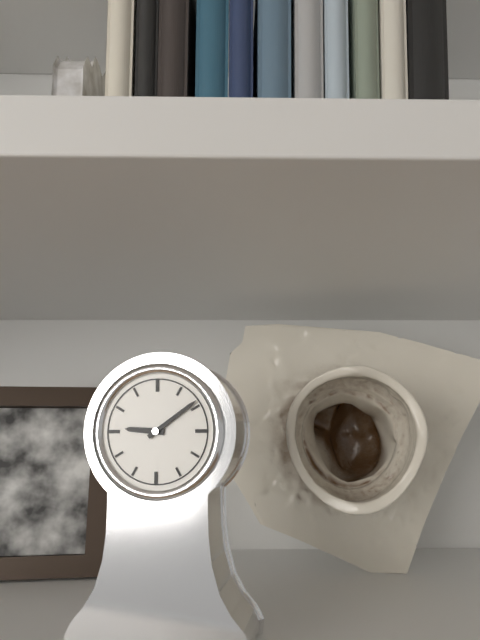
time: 9:09
